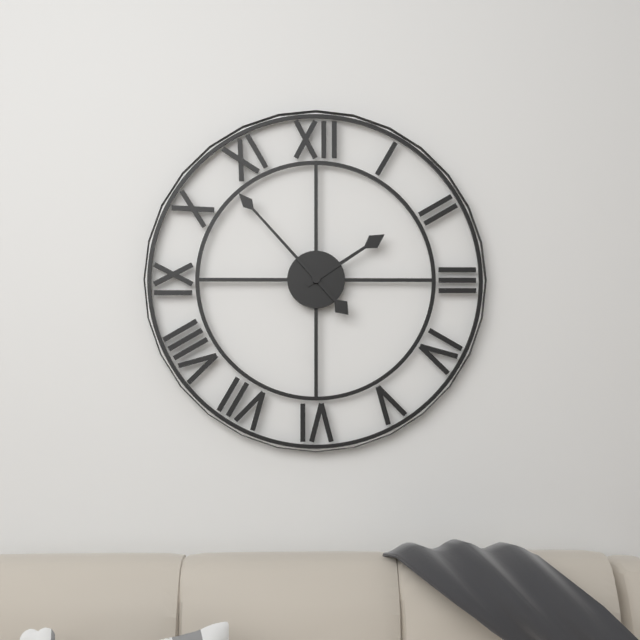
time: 1:53
